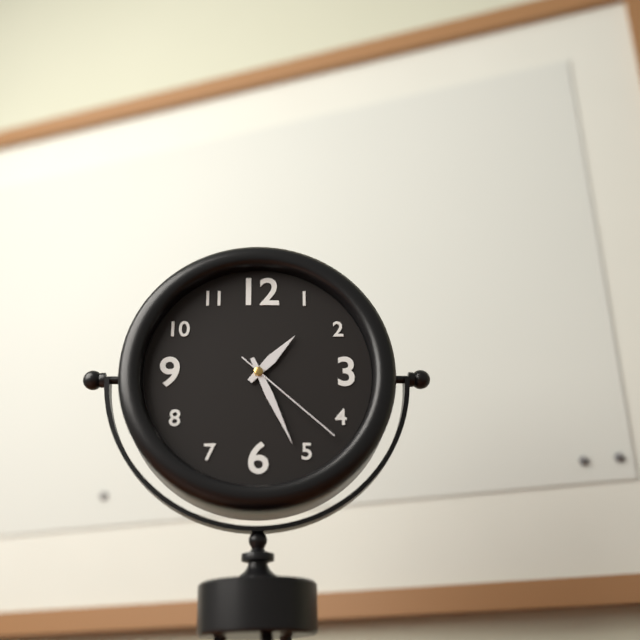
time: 1:26:22
